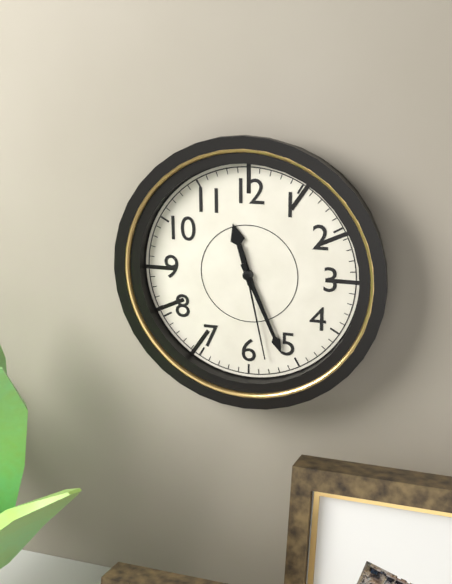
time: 11:26:28
